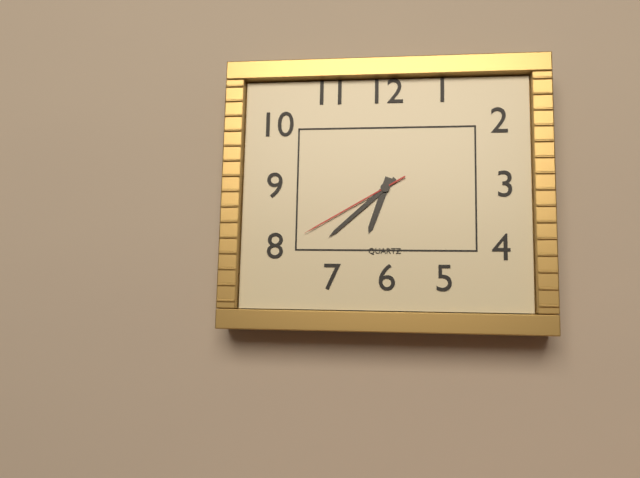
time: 6:38:40
